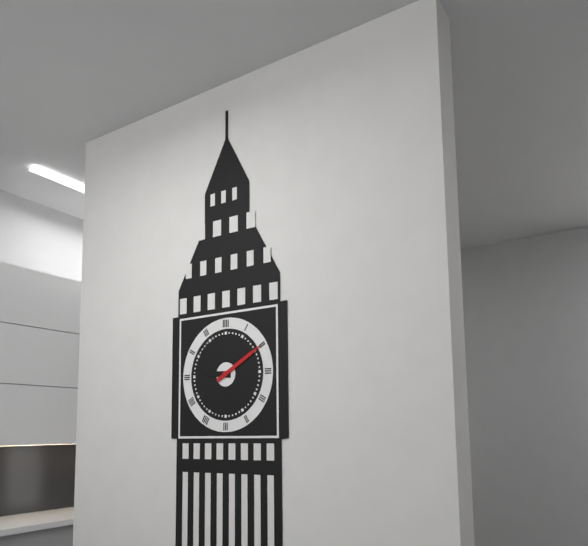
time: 9:10
